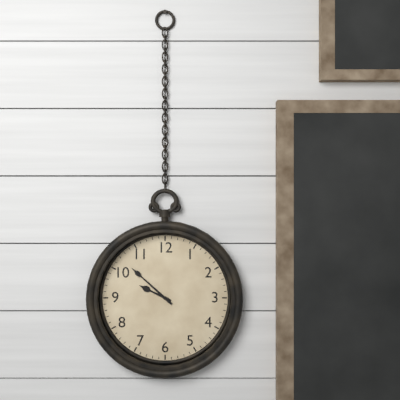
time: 9:52
